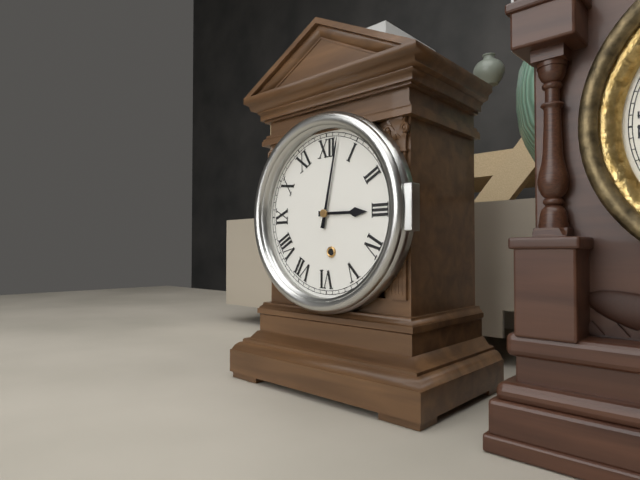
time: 3:02
